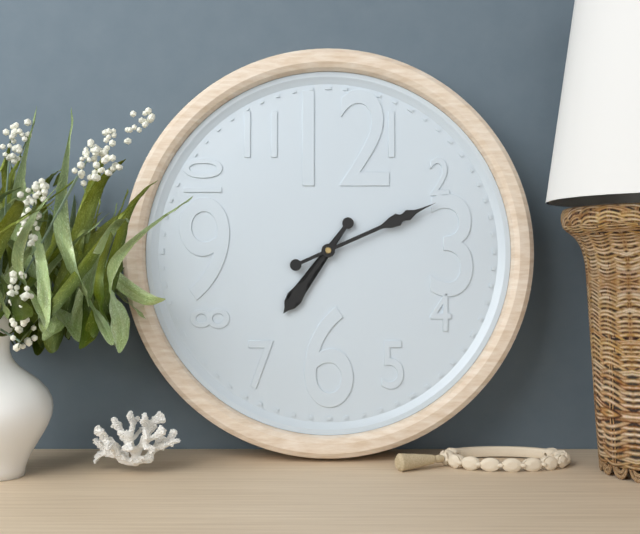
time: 7:11
